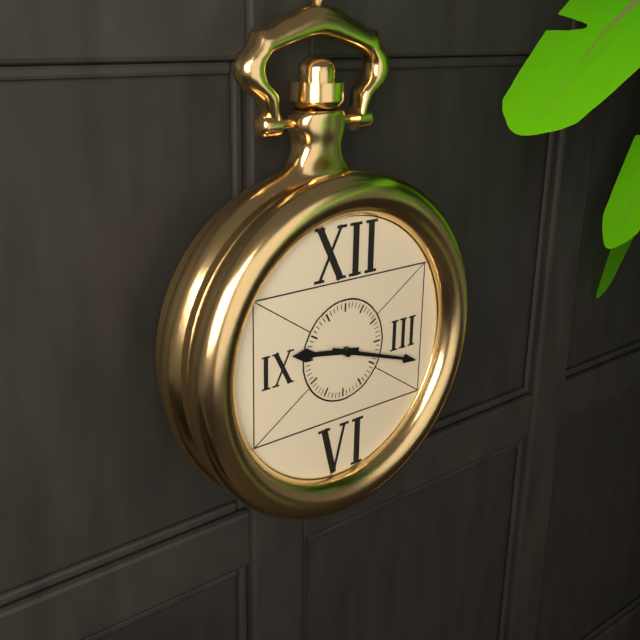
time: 9:18
